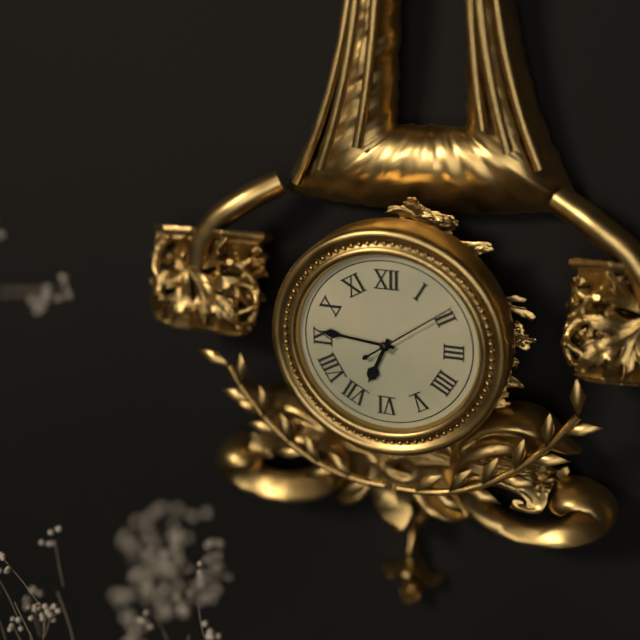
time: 6:46:09
